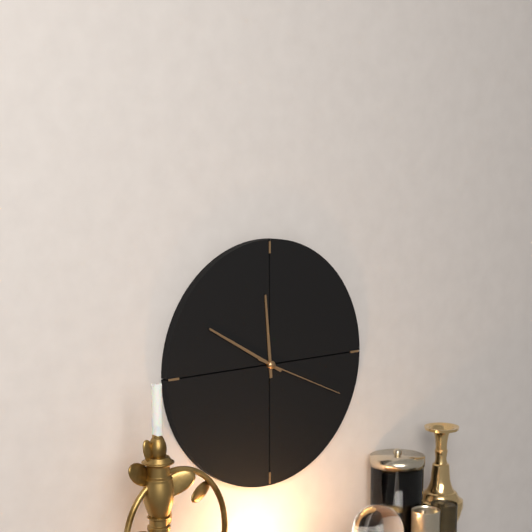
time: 11:50:19
